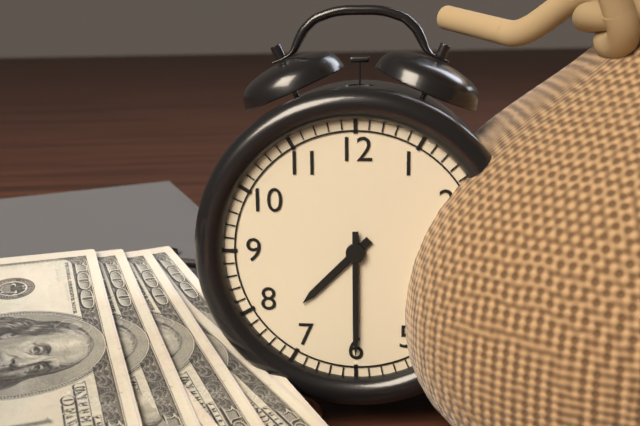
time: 7:30
